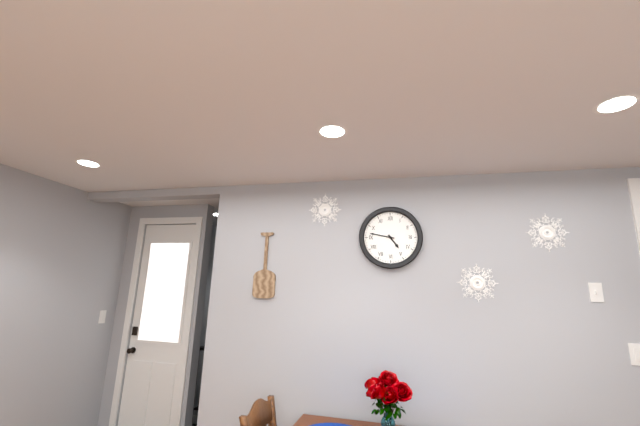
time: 4:47
